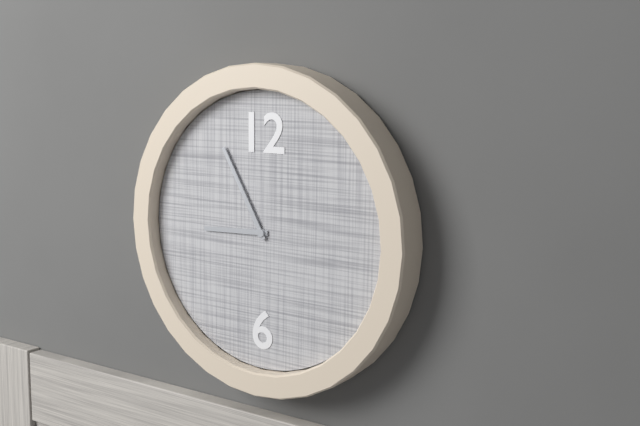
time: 8:55
